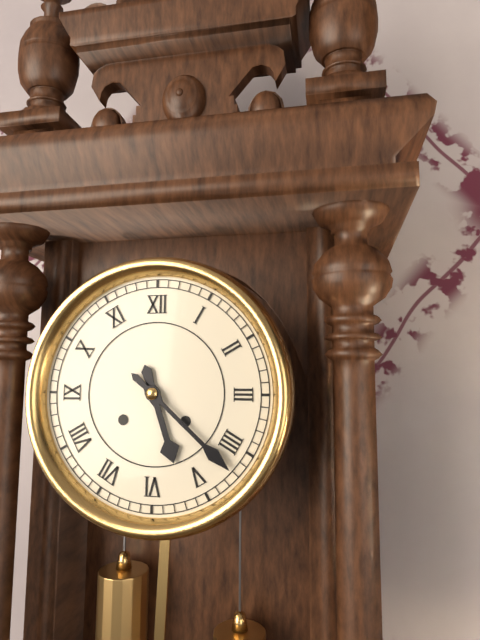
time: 5:22
